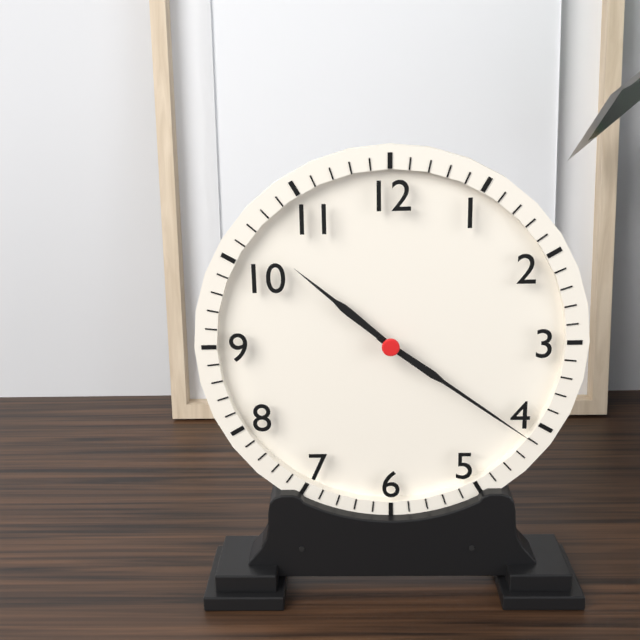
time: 10:21
